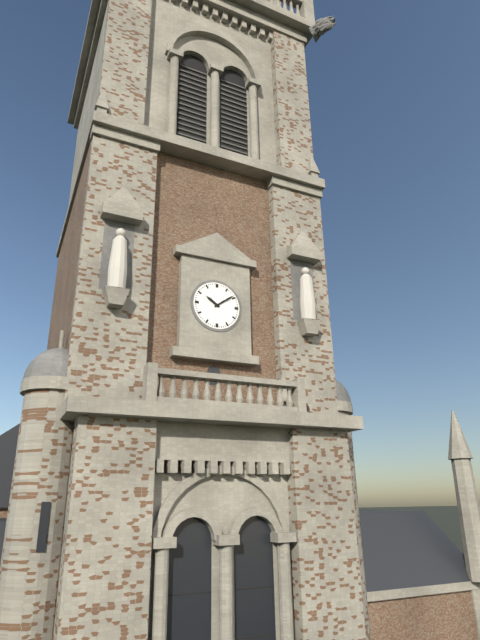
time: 10:09
